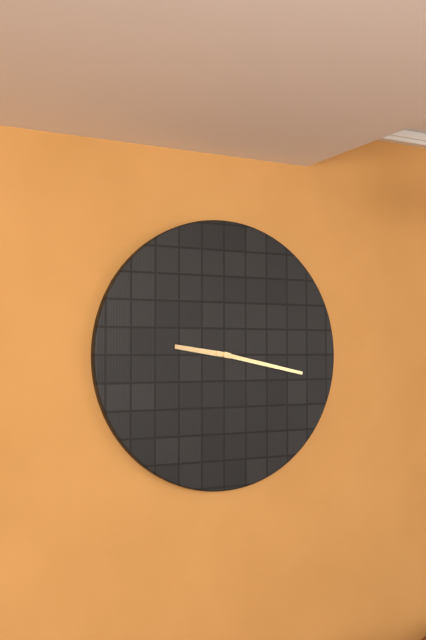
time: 9:17
